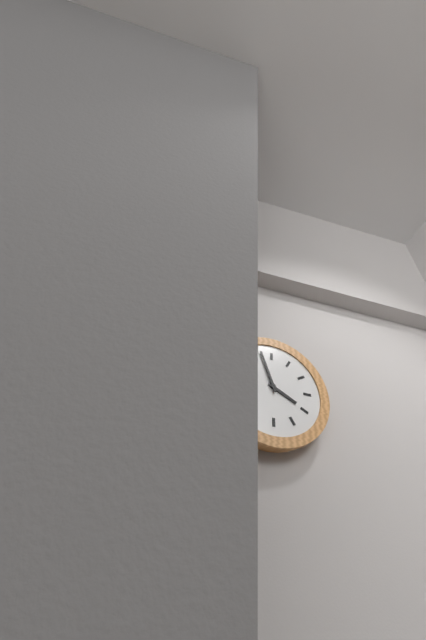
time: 3:57
